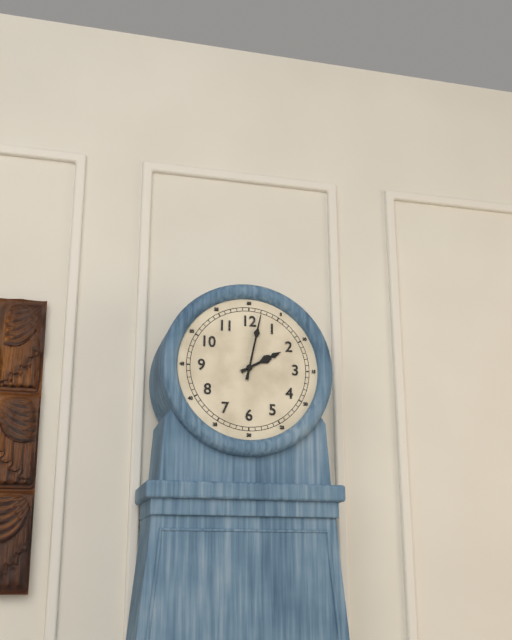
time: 2:02
